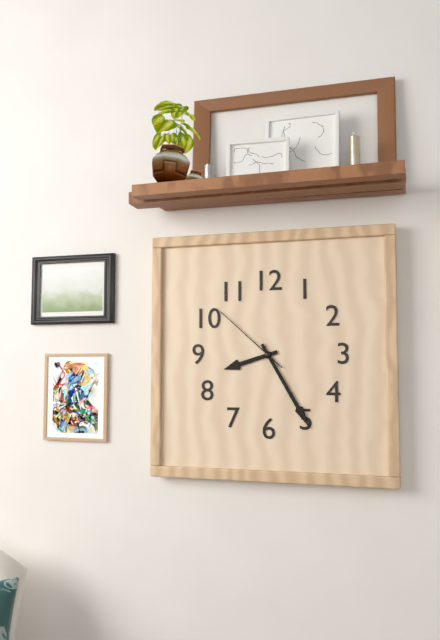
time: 8:25:52
